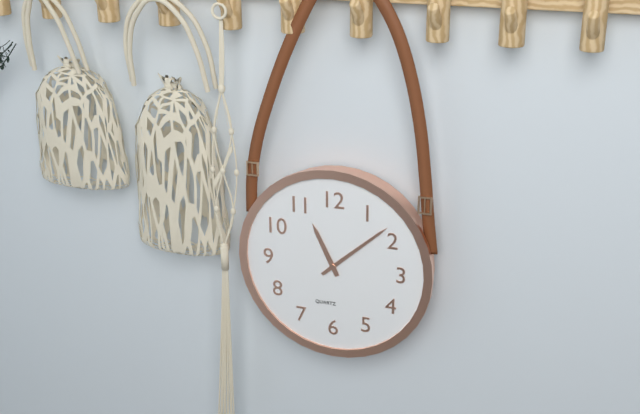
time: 11:08
